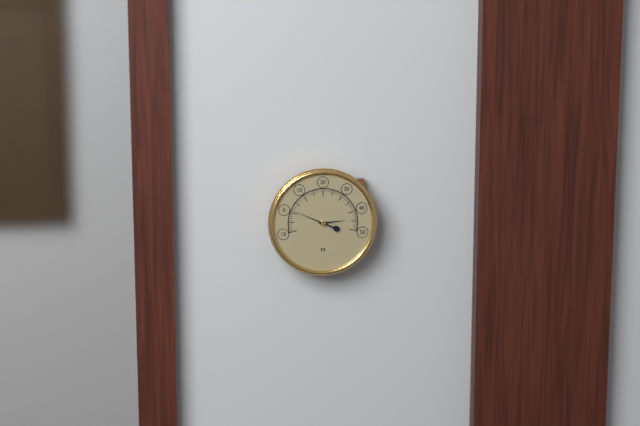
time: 2:49
